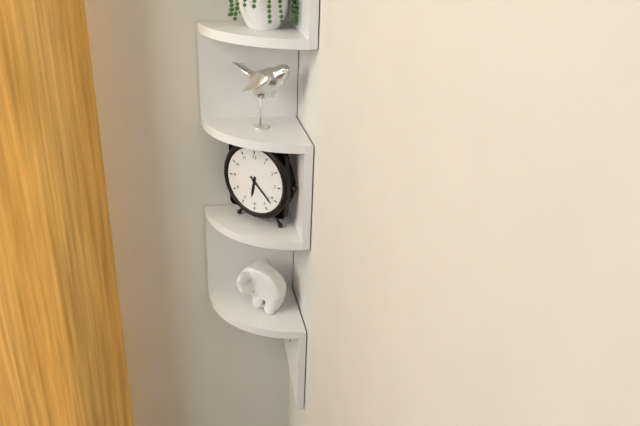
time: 6:22
